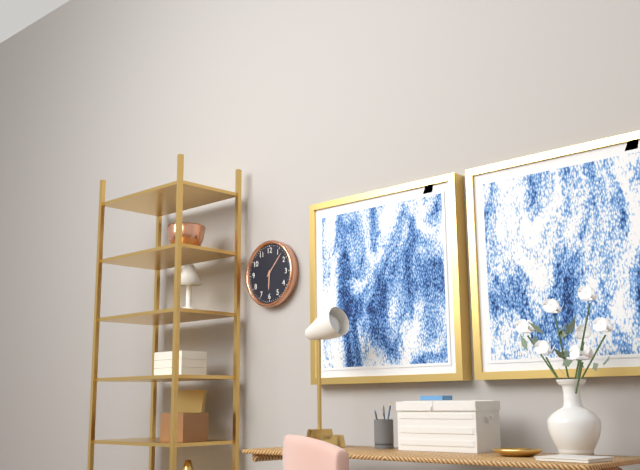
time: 6:07
